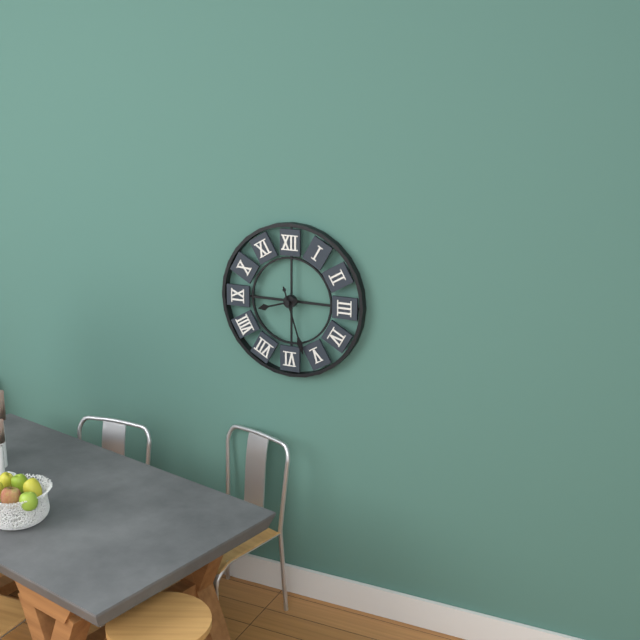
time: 8:27
